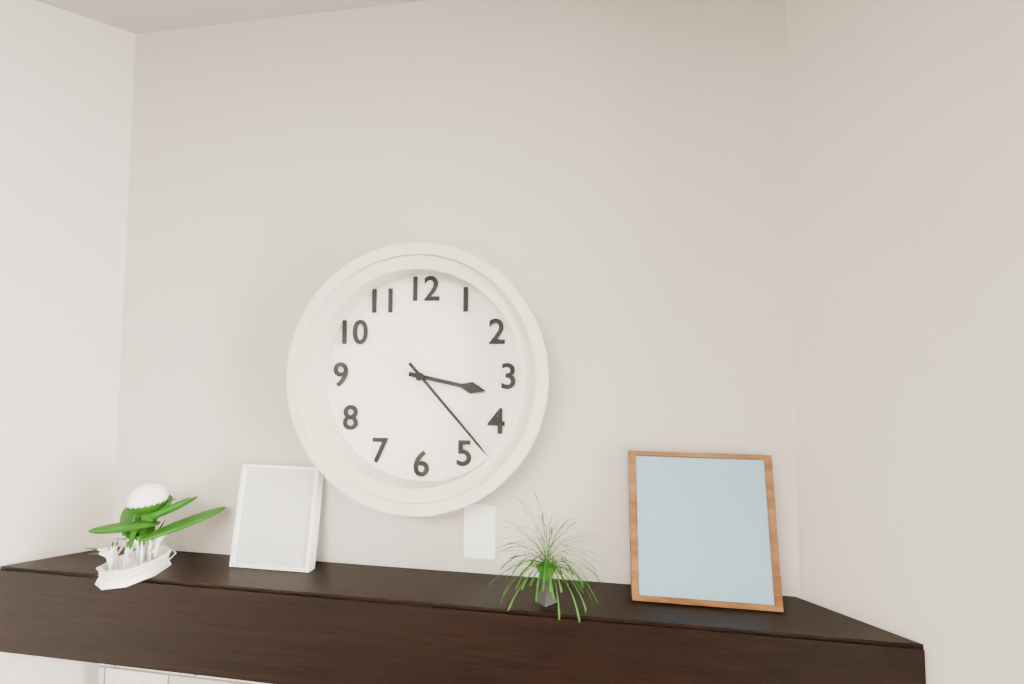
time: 3:23
